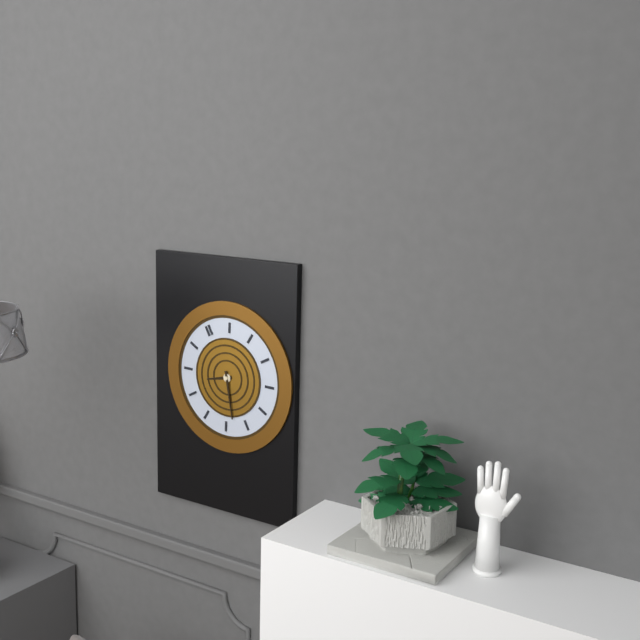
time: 9:33
